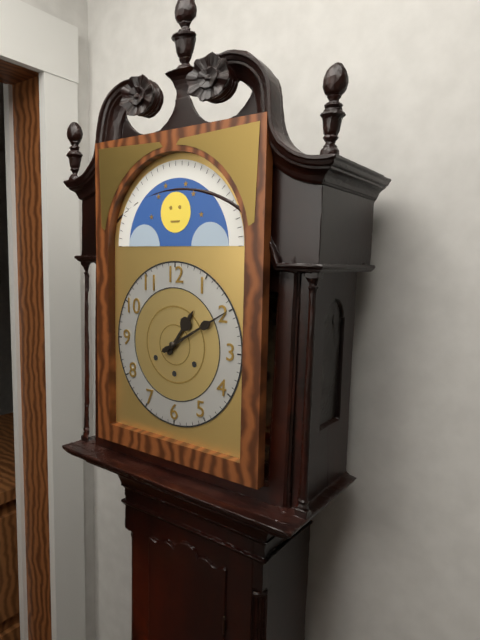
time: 1:10
